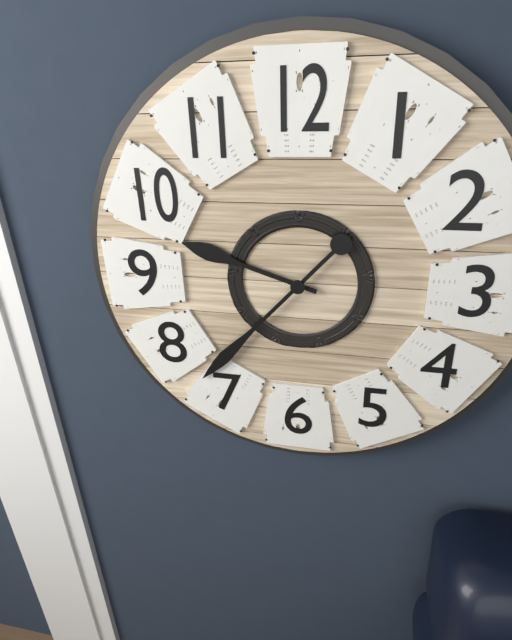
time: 9:37
